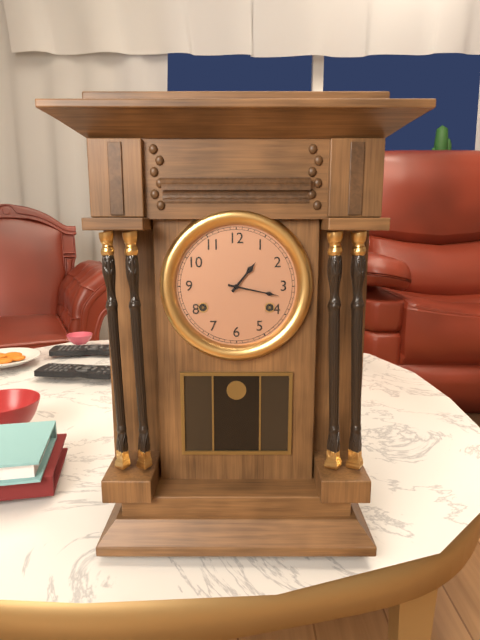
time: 1:17
